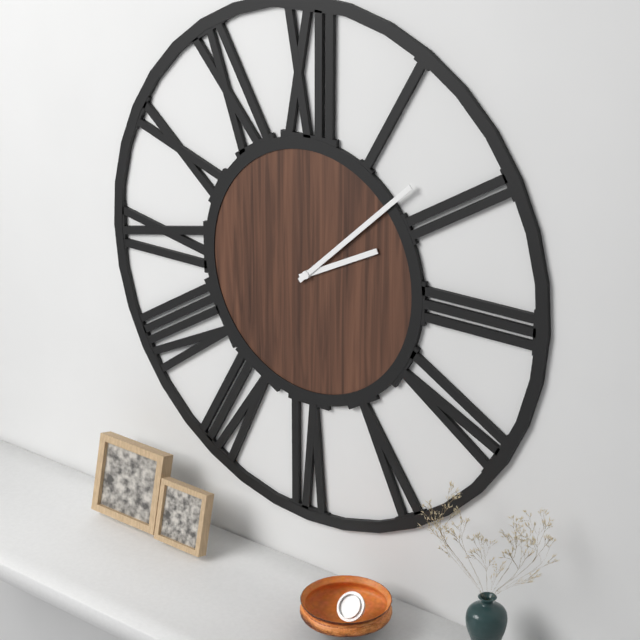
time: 2:08
